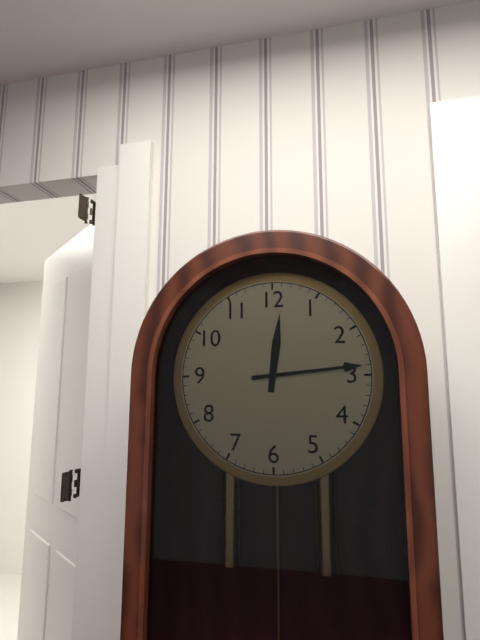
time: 12:14
